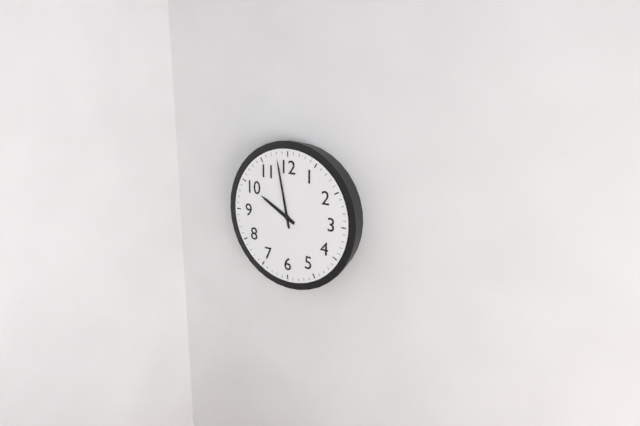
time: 9:58
